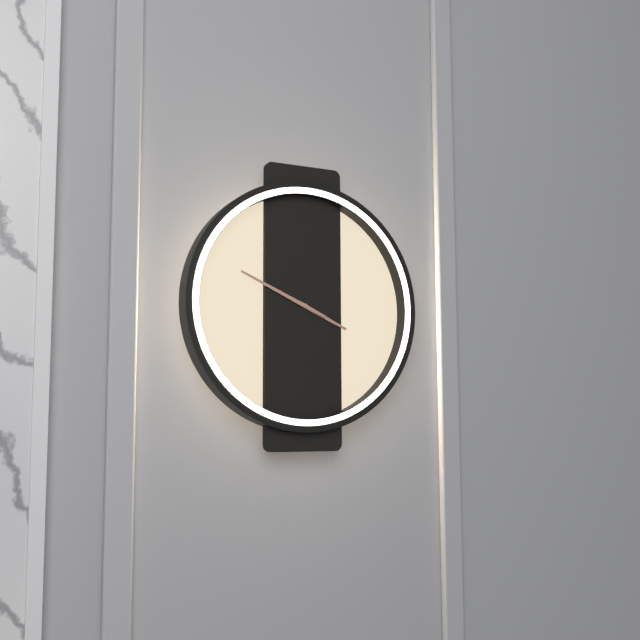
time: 3:49
